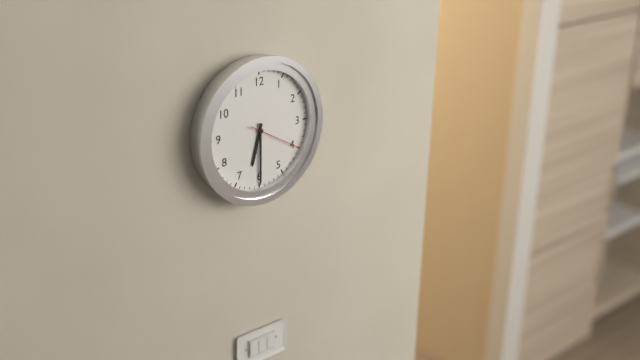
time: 6:30:20
